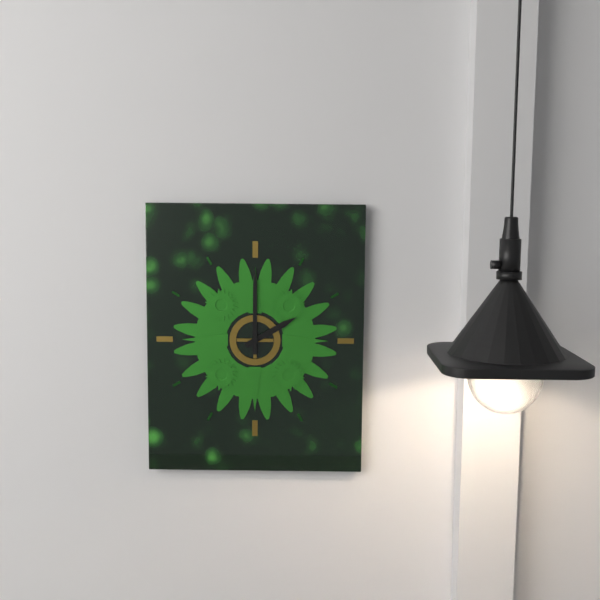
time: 2:00
